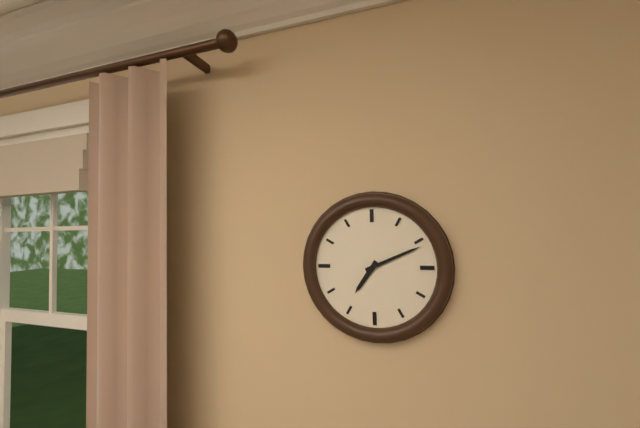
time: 7:11
